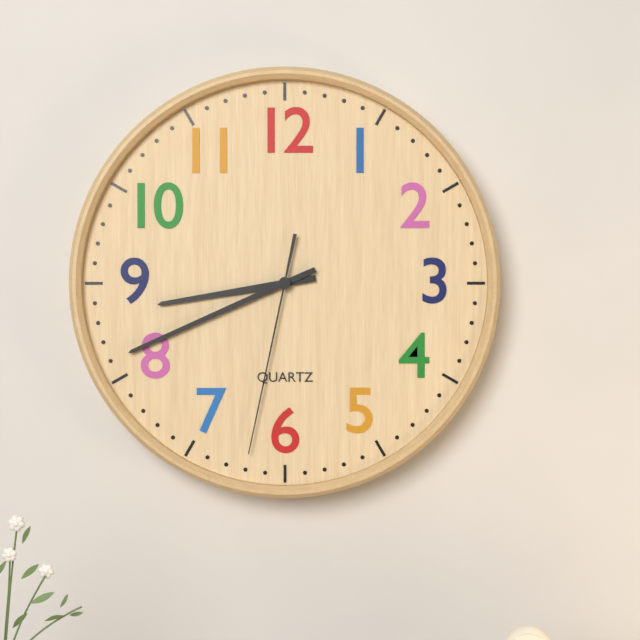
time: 8:41:32
